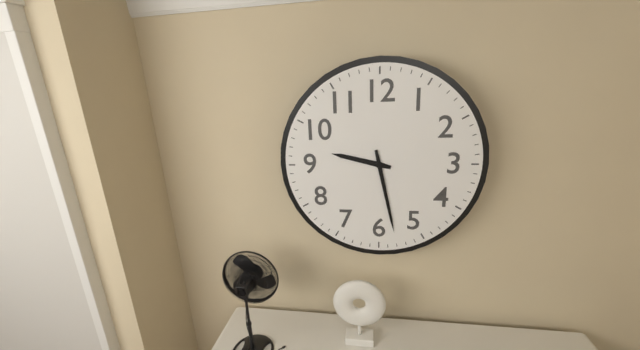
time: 9:28
